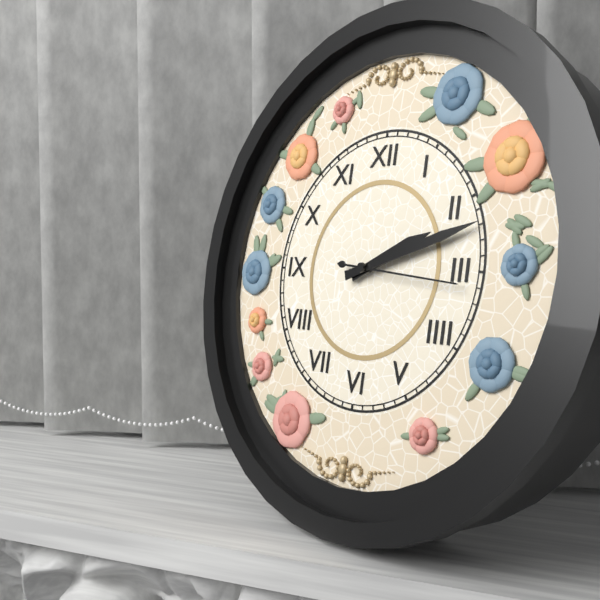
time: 2:12:16
